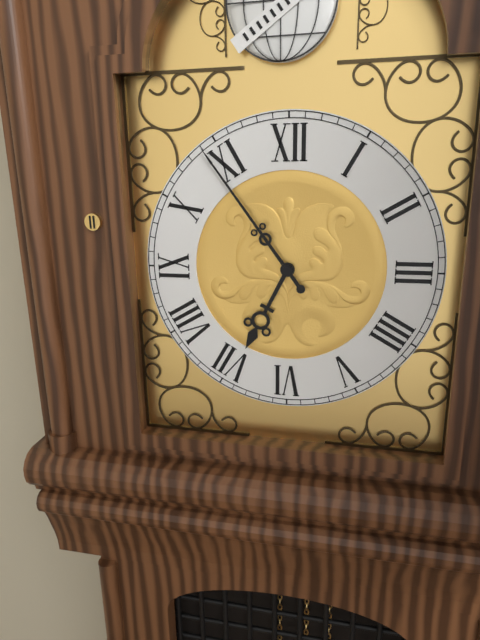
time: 6:54
